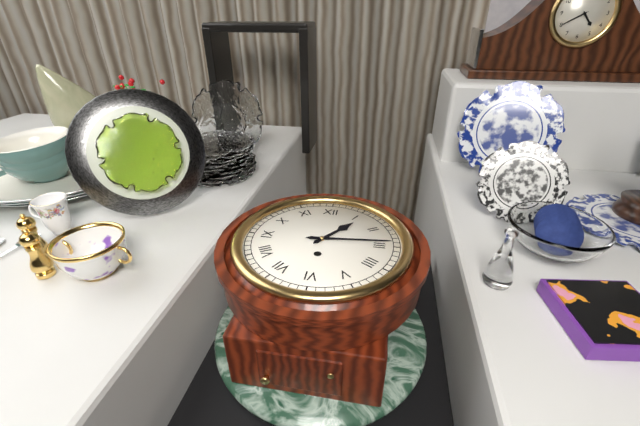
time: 1:14
